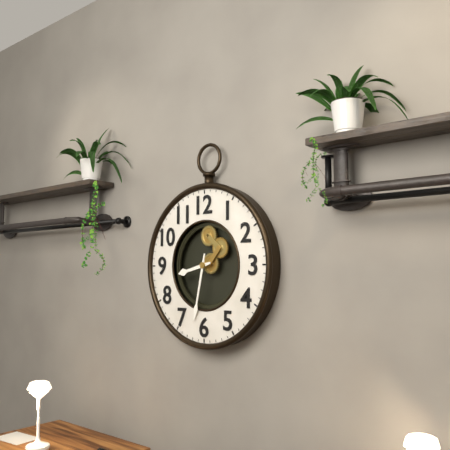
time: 8:32
